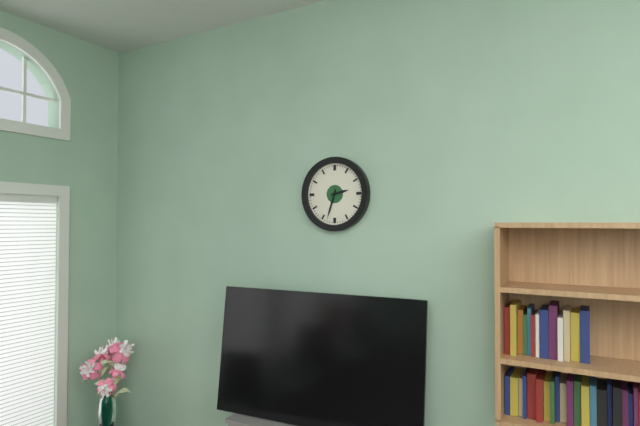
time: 2:33
